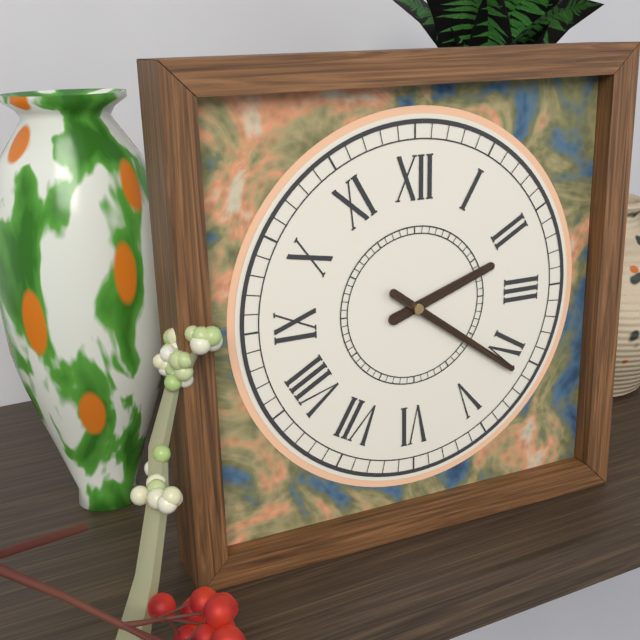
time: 2:21
